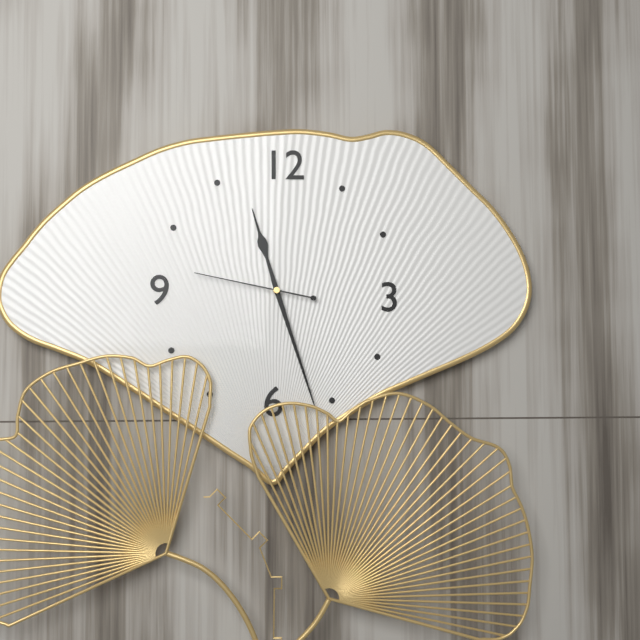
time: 11:27:47
